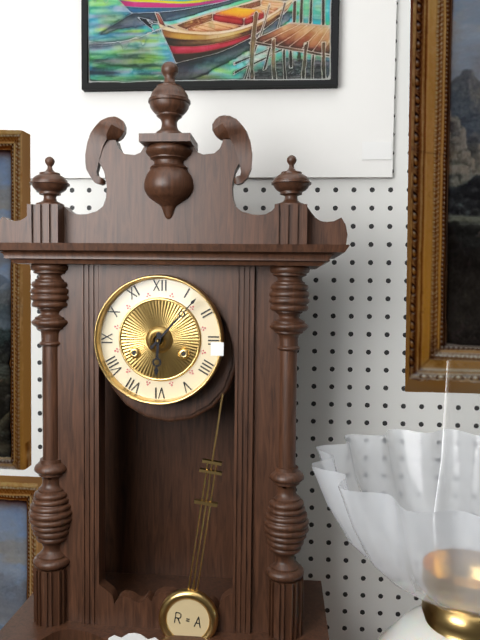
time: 6:07
